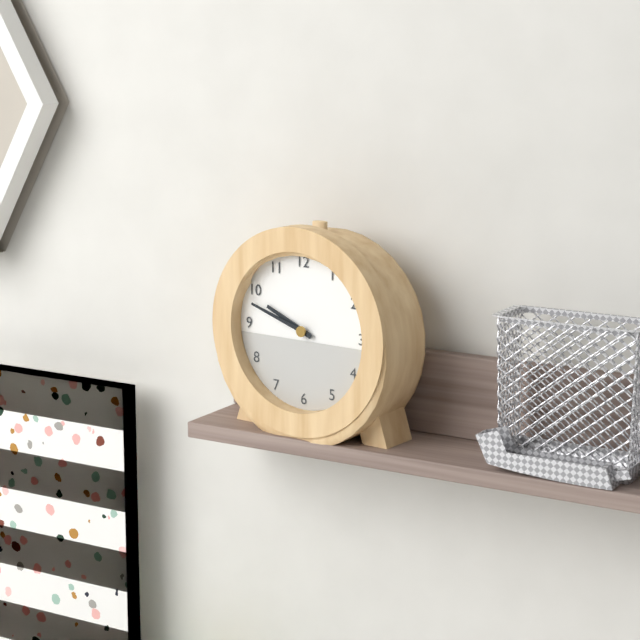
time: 9:48
